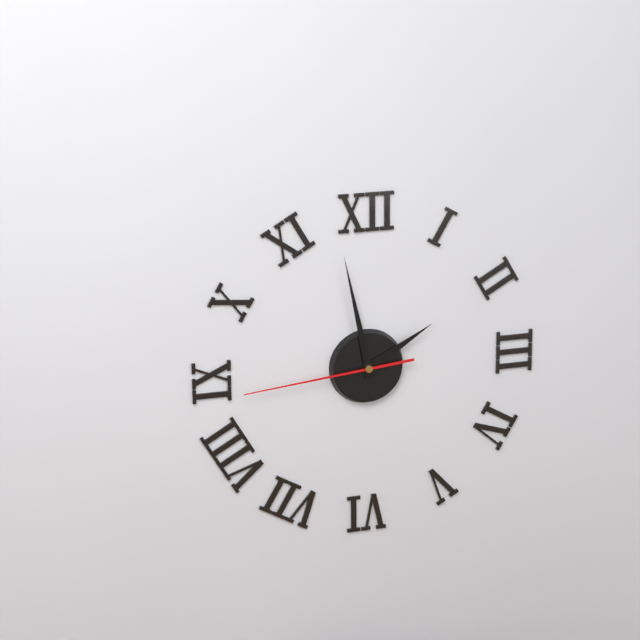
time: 1:58:44
